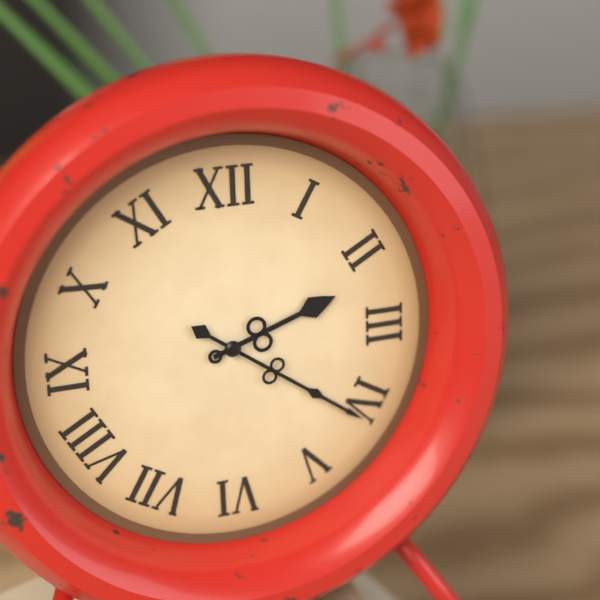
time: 2:21
